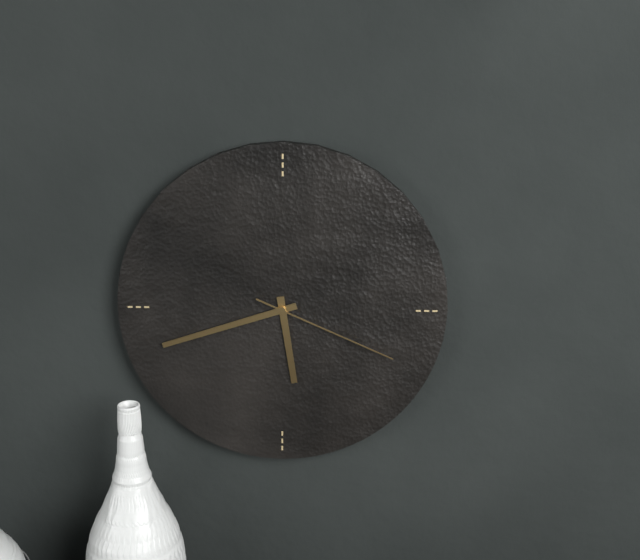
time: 5:42:19
